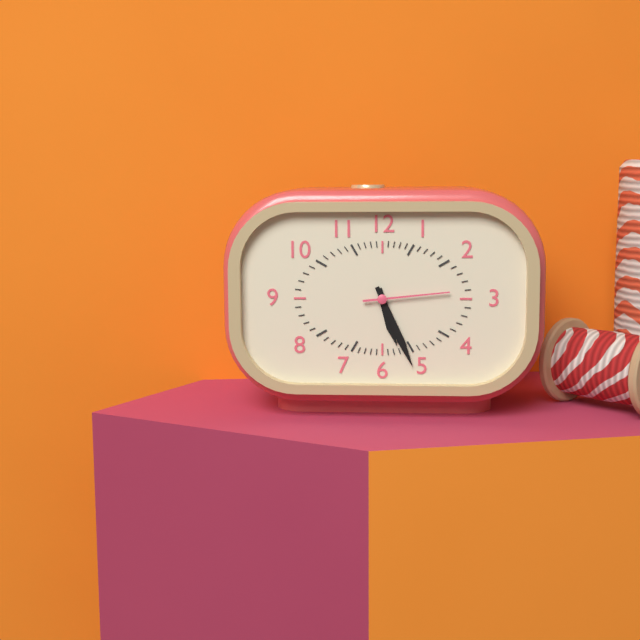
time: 5:26:14
